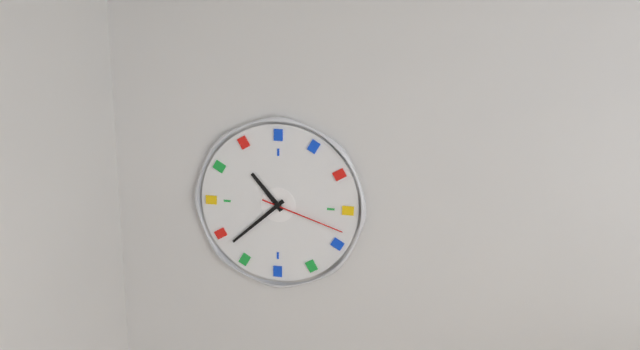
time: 10:38:18
